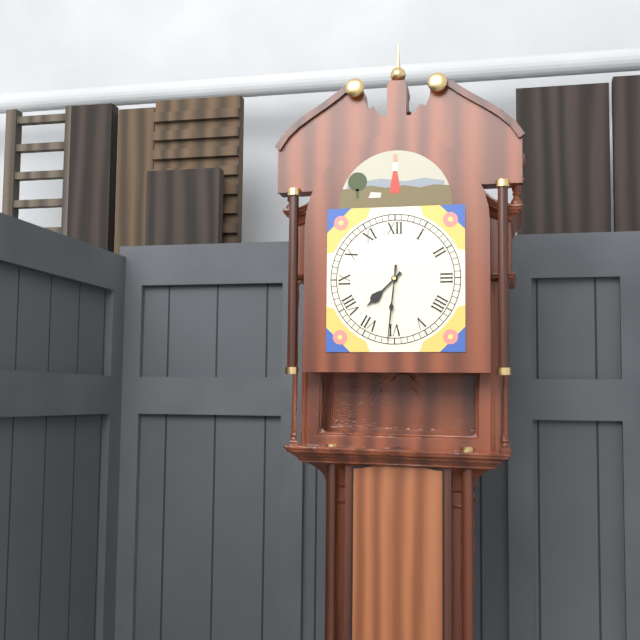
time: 7:31
